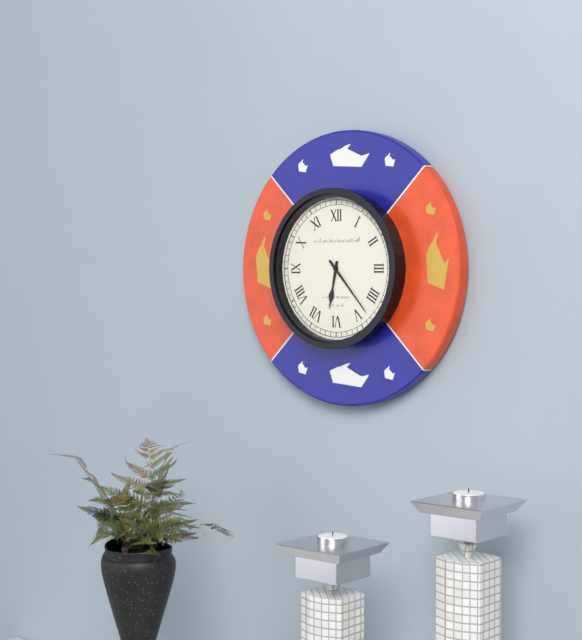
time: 6:23
